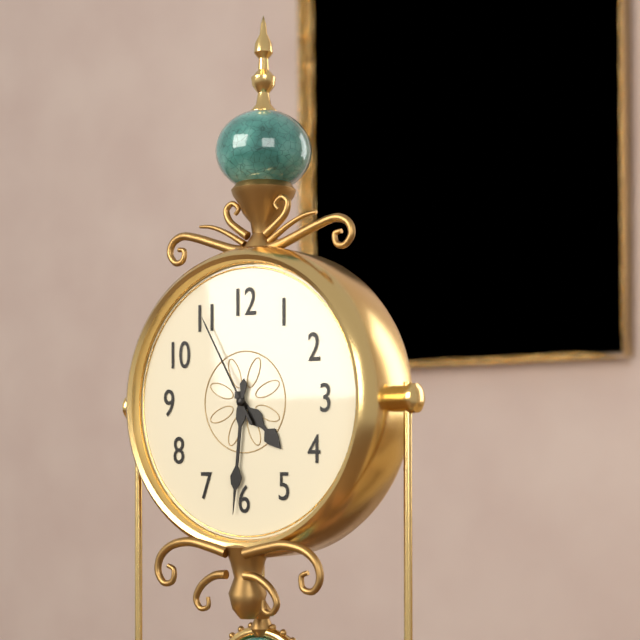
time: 4:31:55
